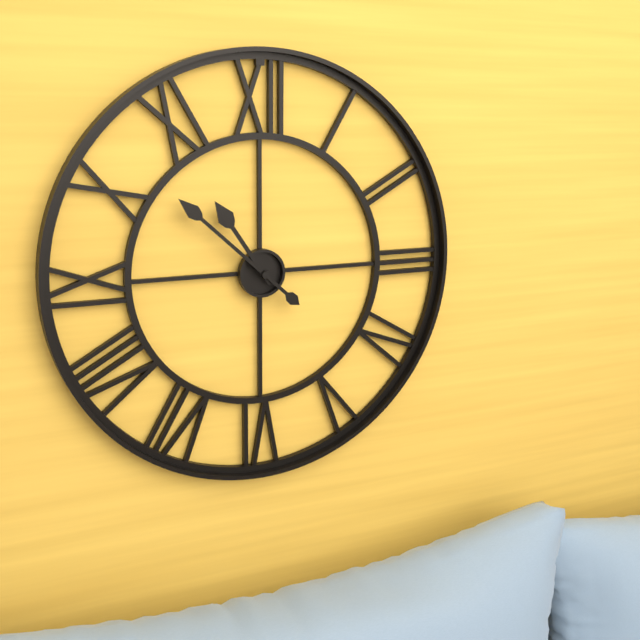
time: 10:52
